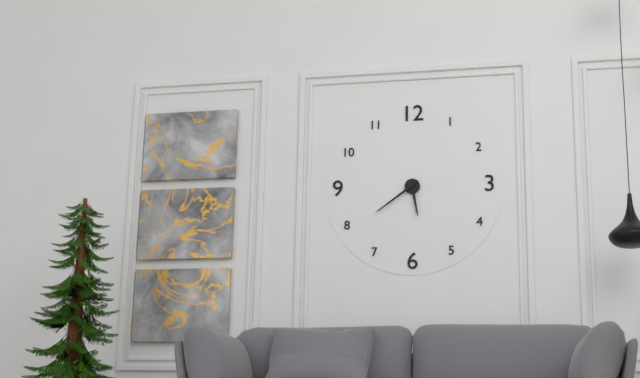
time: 5:39
